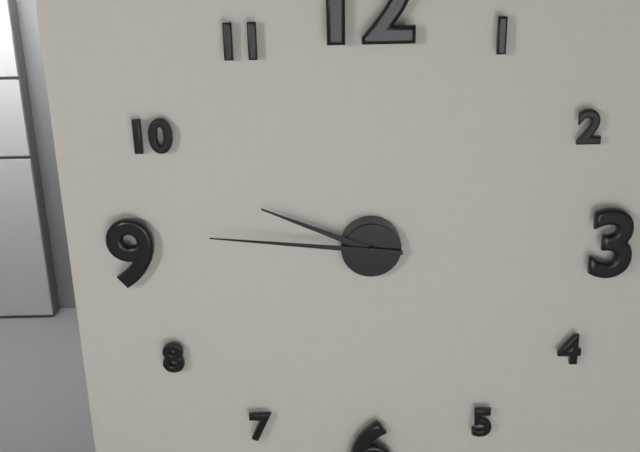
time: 9:46
